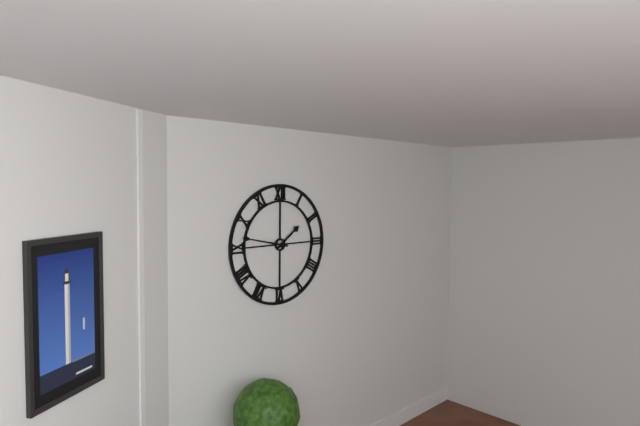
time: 1:47
